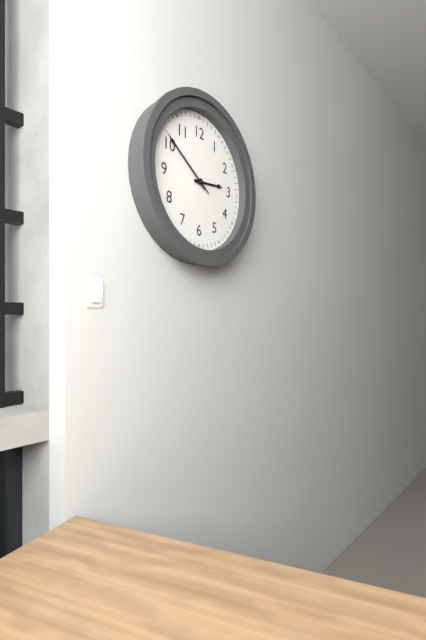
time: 2:51:51
